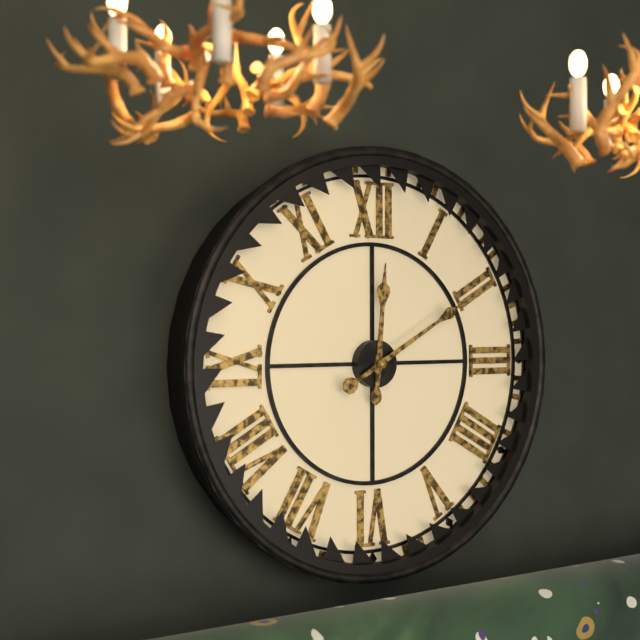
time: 12:10
